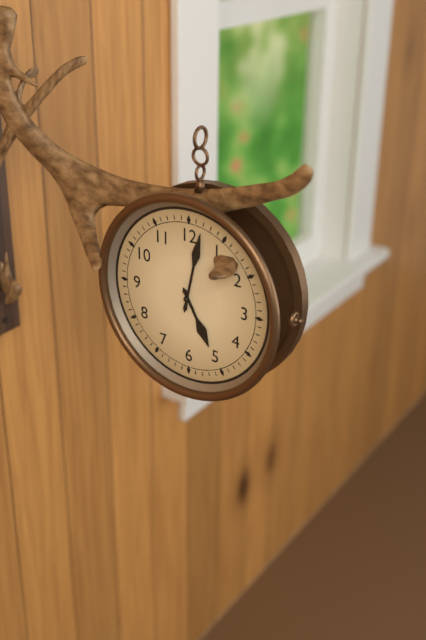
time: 5:02
